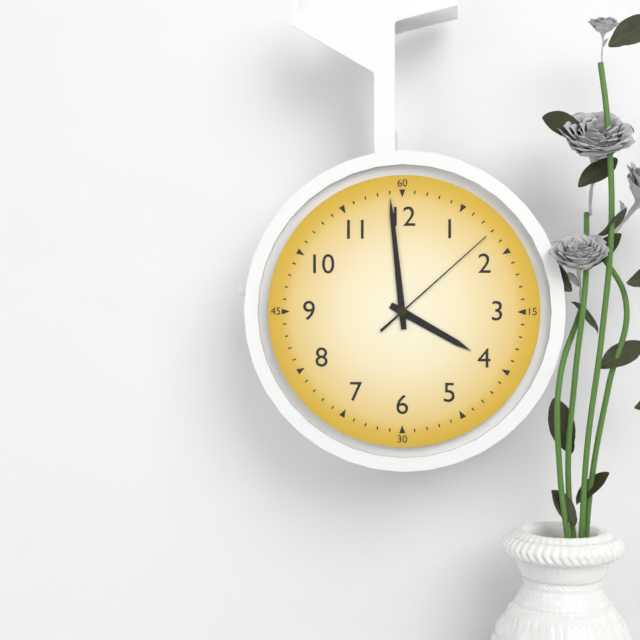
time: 3:59:08
